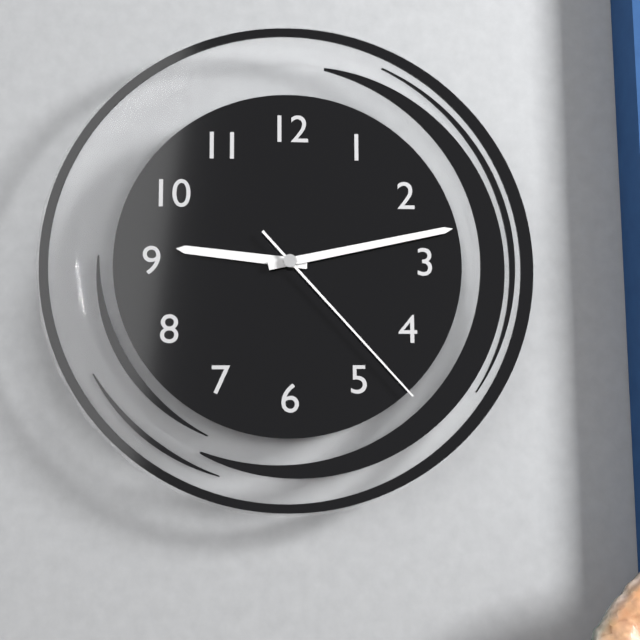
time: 9:13:23
